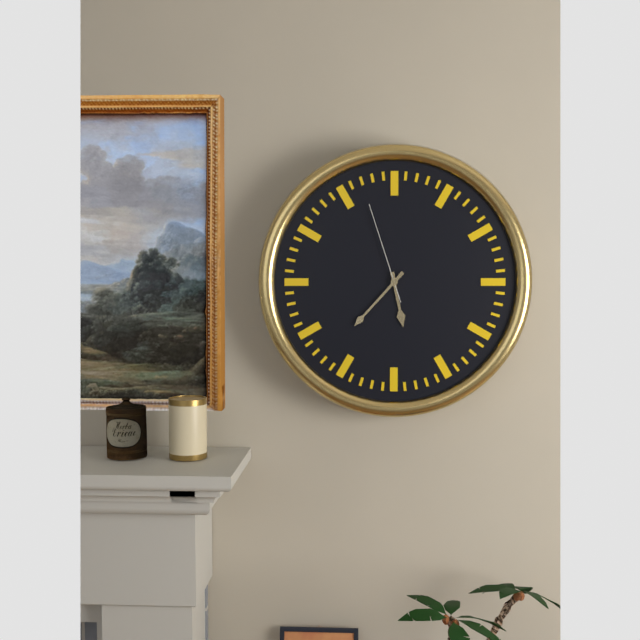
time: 5:37:57
